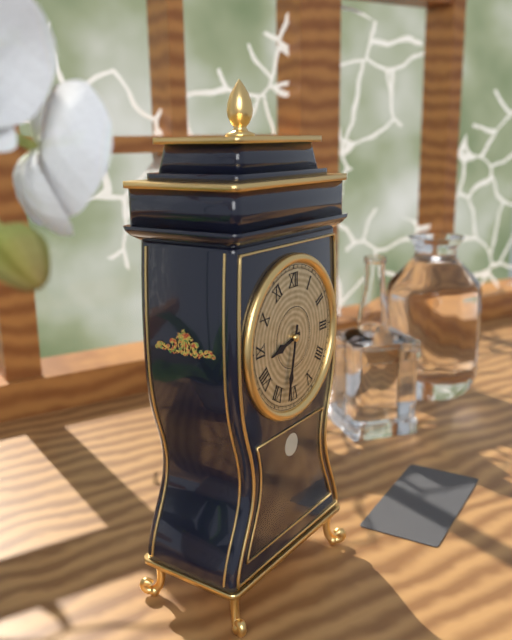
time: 8:32
